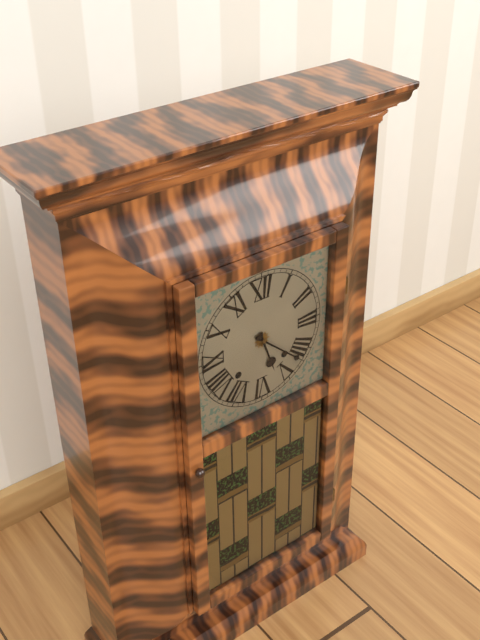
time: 5:22
